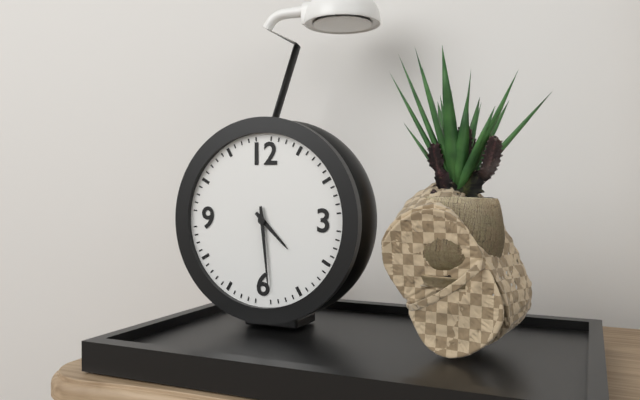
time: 4:29
